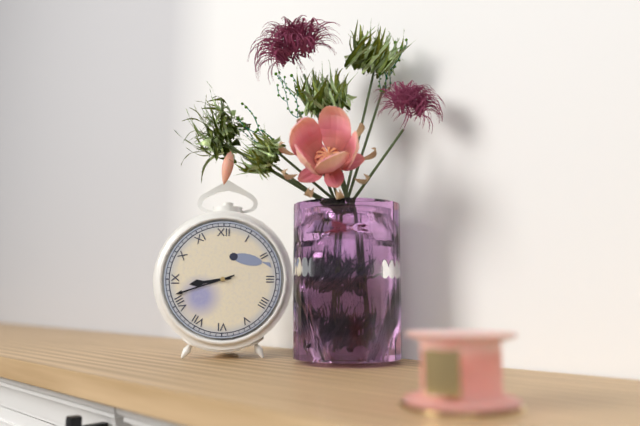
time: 8:42
